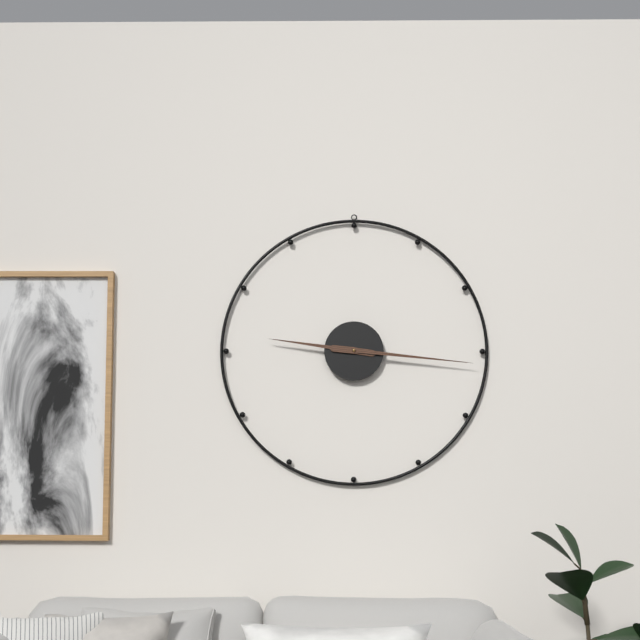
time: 9:16
